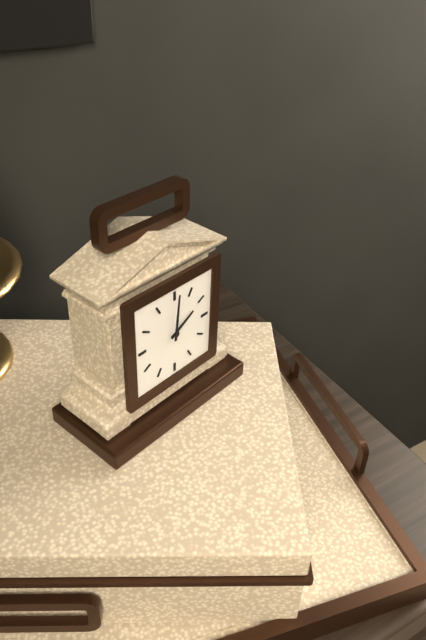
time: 2:01
